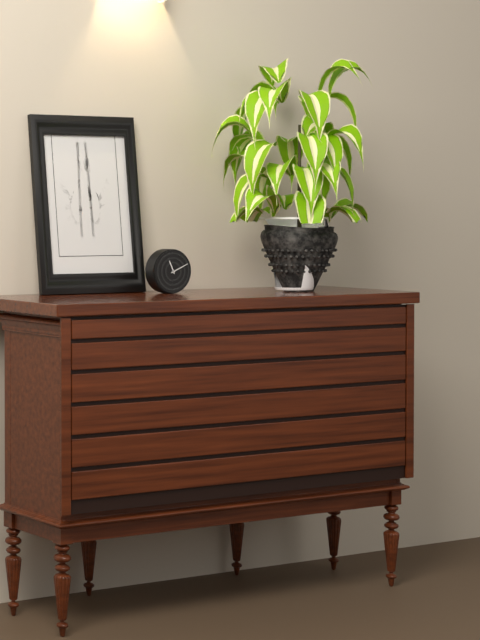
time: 11:11
